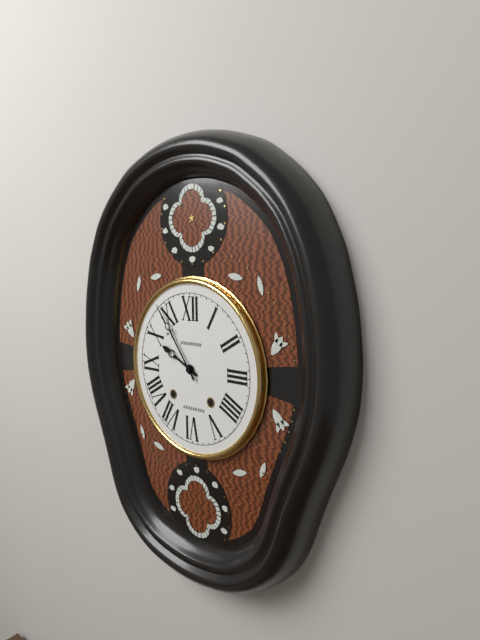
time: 9:54
